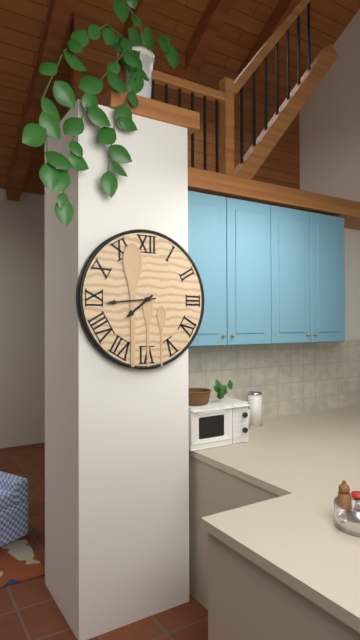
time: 7:44
